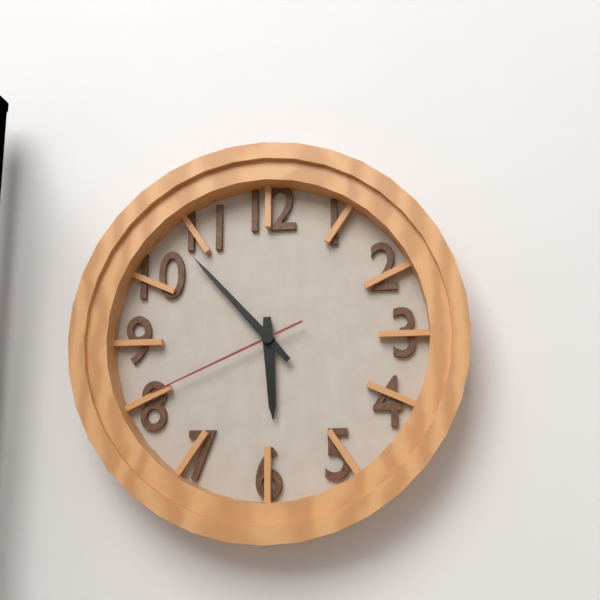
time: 5:53:41
